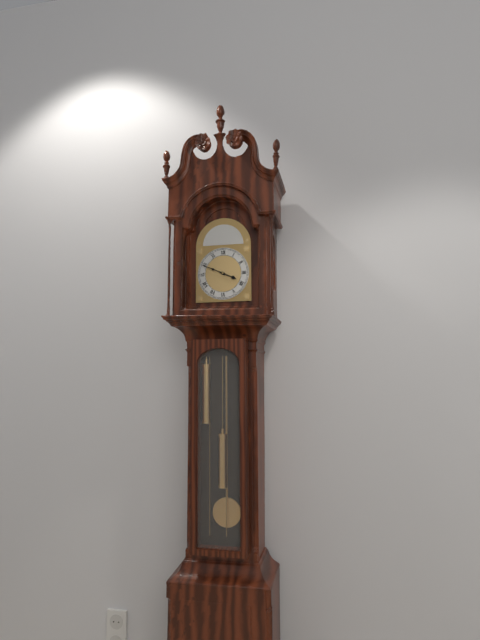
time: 3:49
